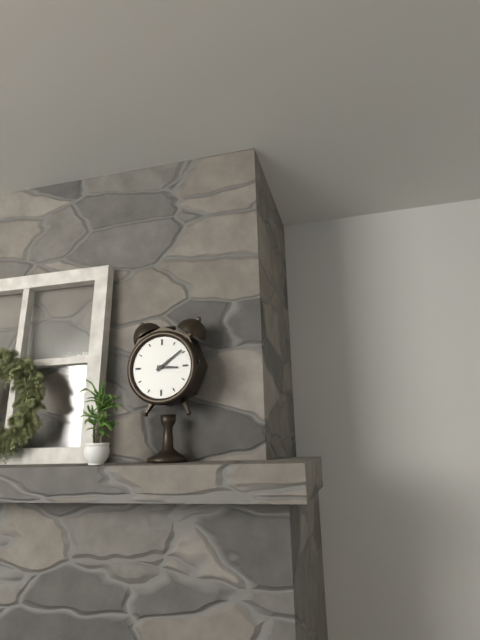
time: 3:09
